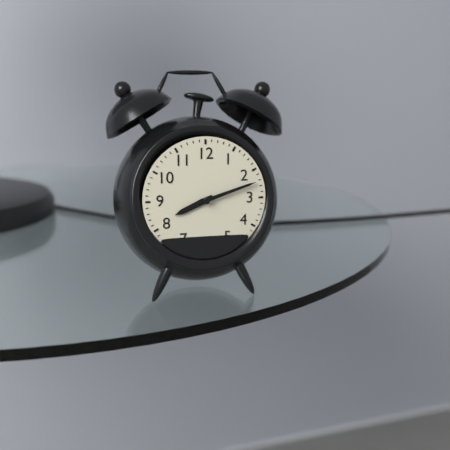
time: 8:12
